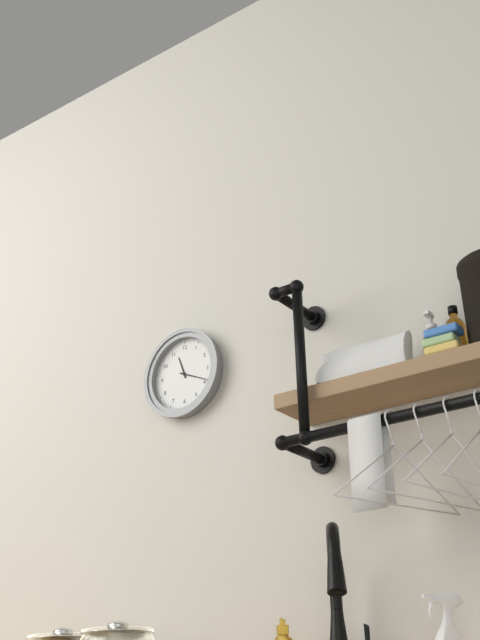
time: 11:19
